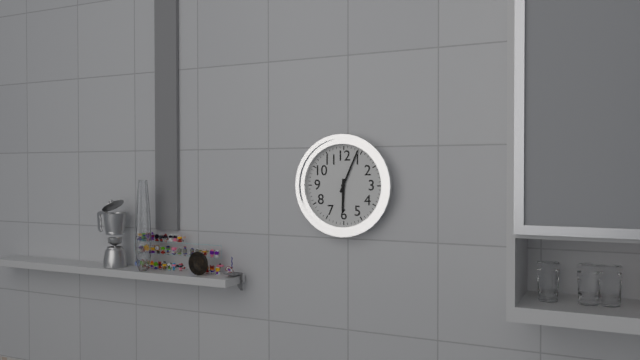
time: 6:04
